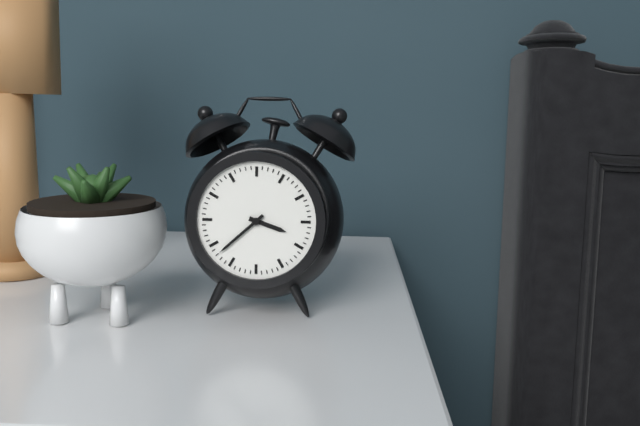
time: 3:38
